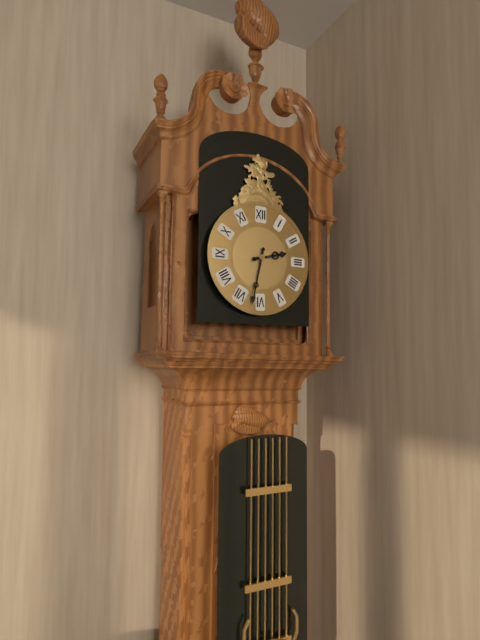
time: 2:32
